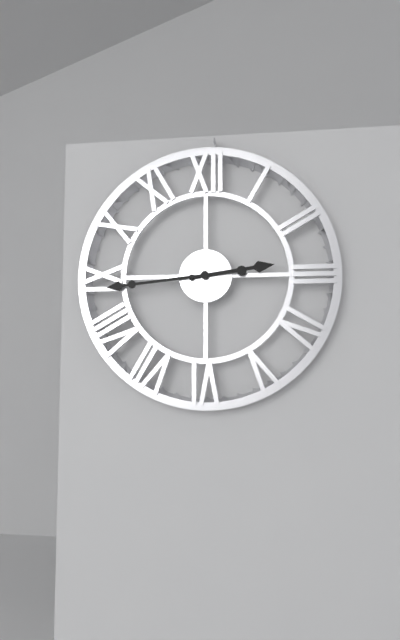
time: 2:44
